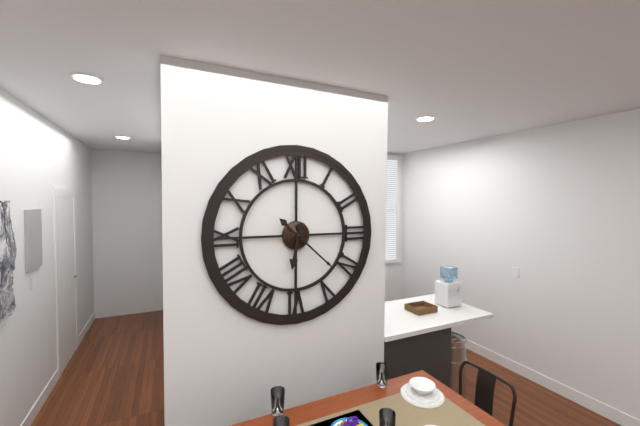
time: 6:22
